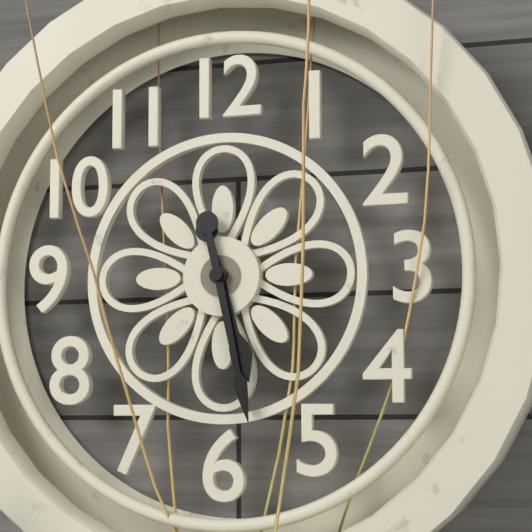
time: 5:28
